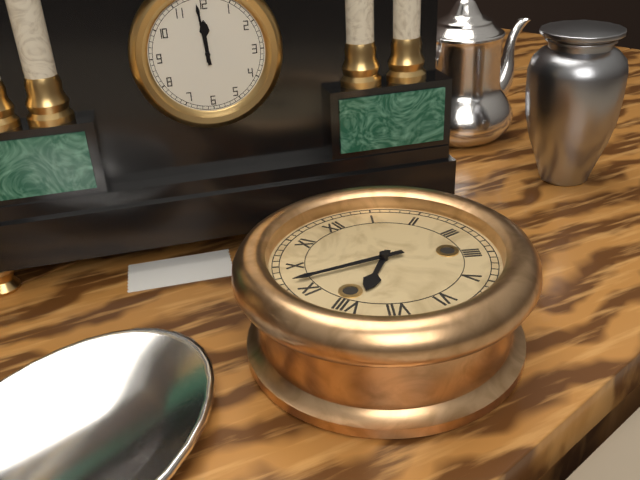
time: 7:47
